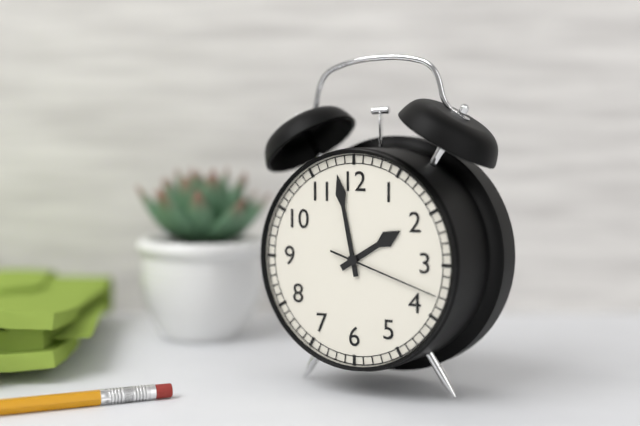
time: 1:58:18
